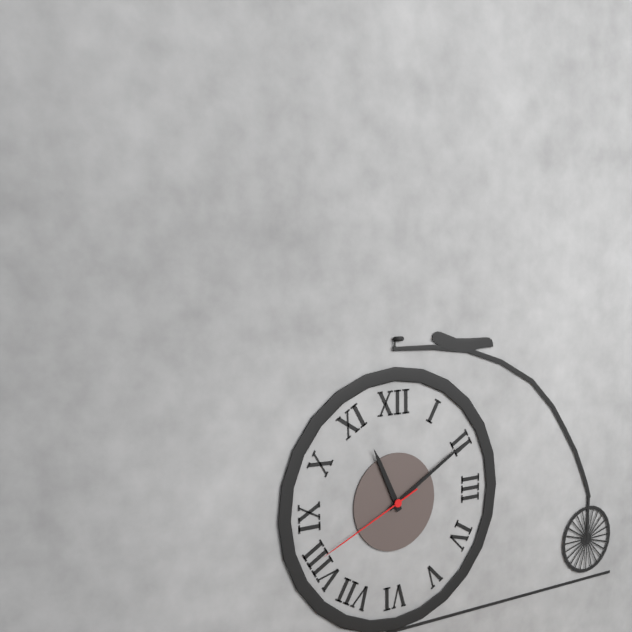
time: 11:10:41
